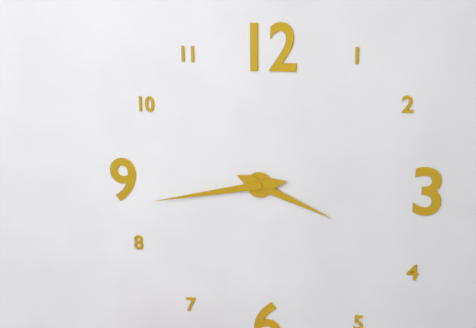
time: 3:43
